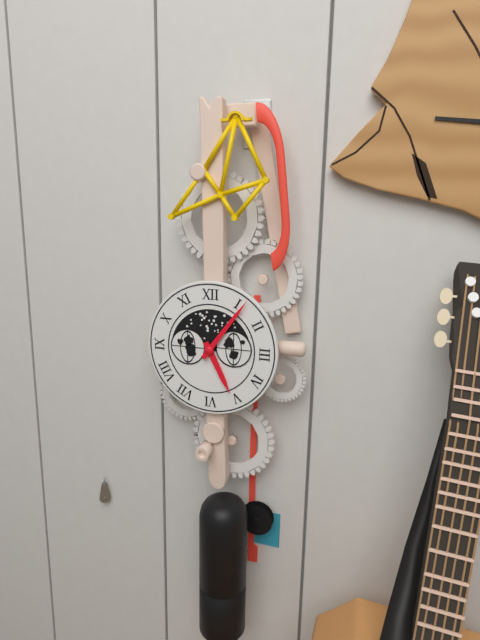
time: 5:06
